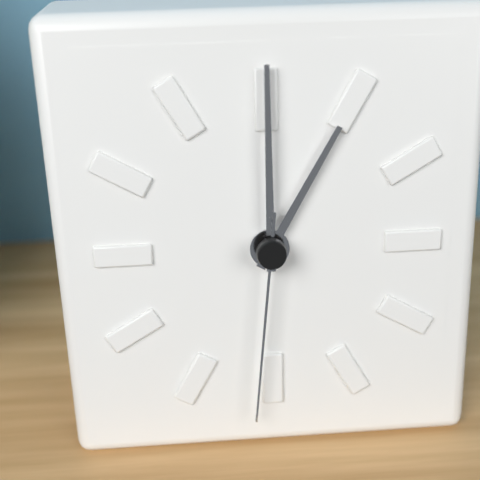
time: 1:00:31
